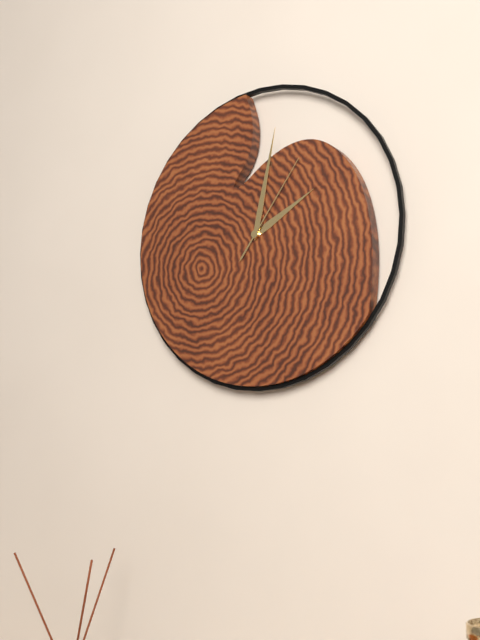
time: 2:02:06
